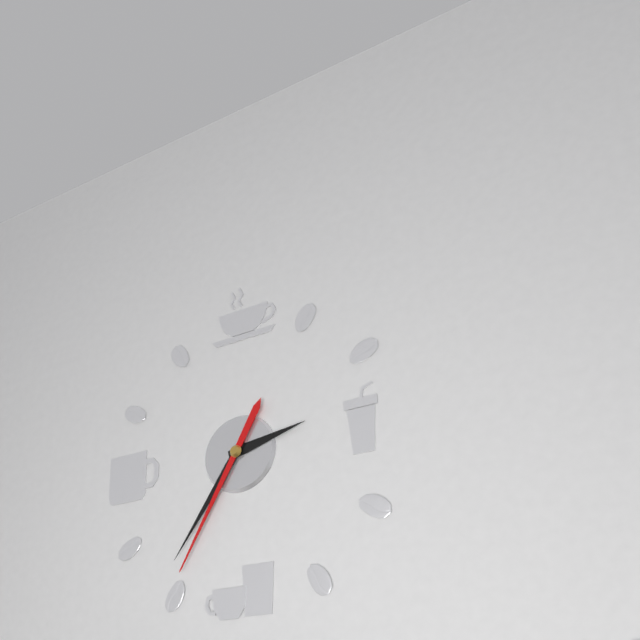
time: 2:36:35
